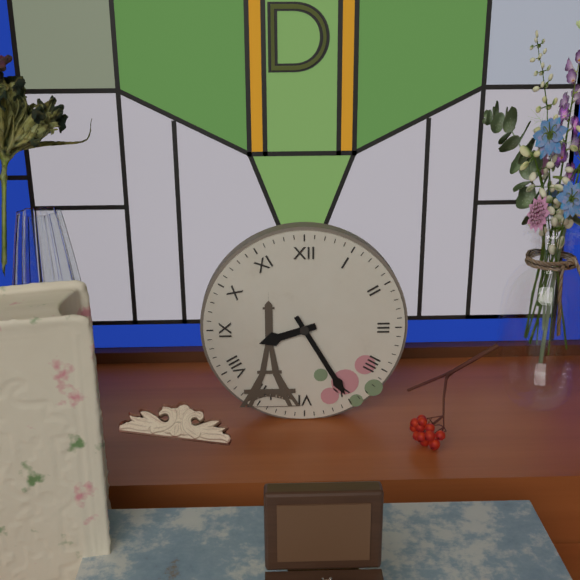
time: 8:25
